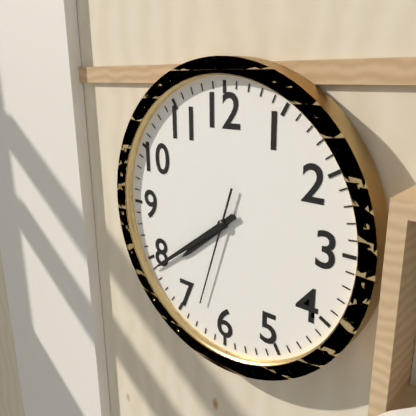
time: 7:39:33
